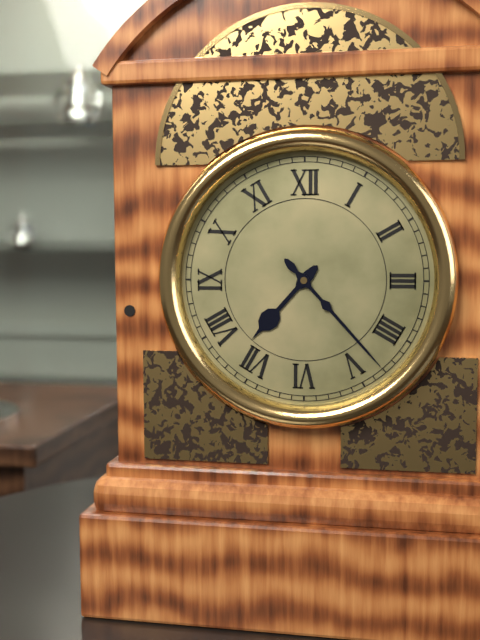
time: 7:23
